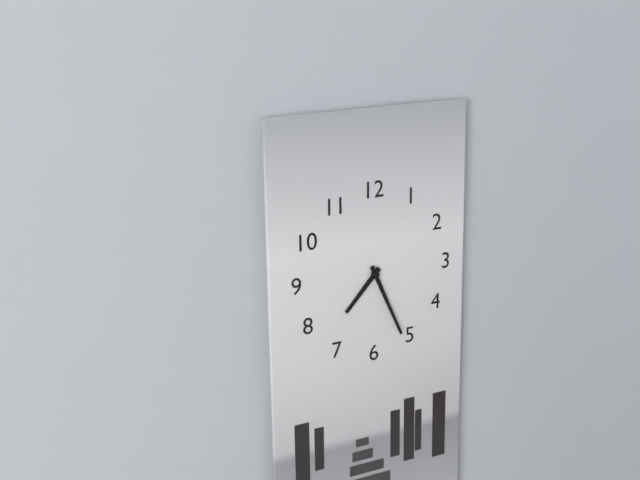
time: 7:26
